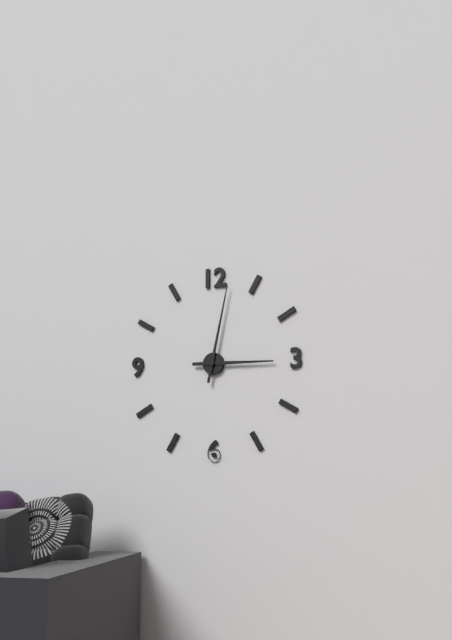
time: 3:02
